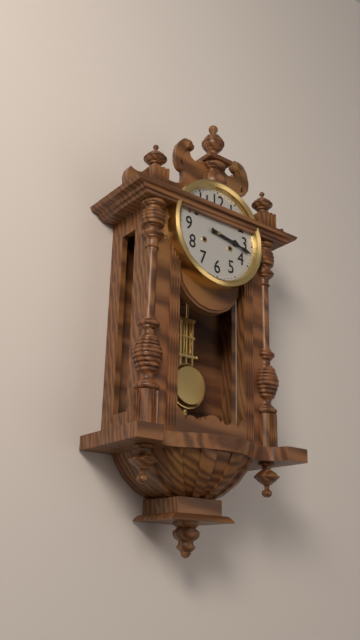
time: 3:17
